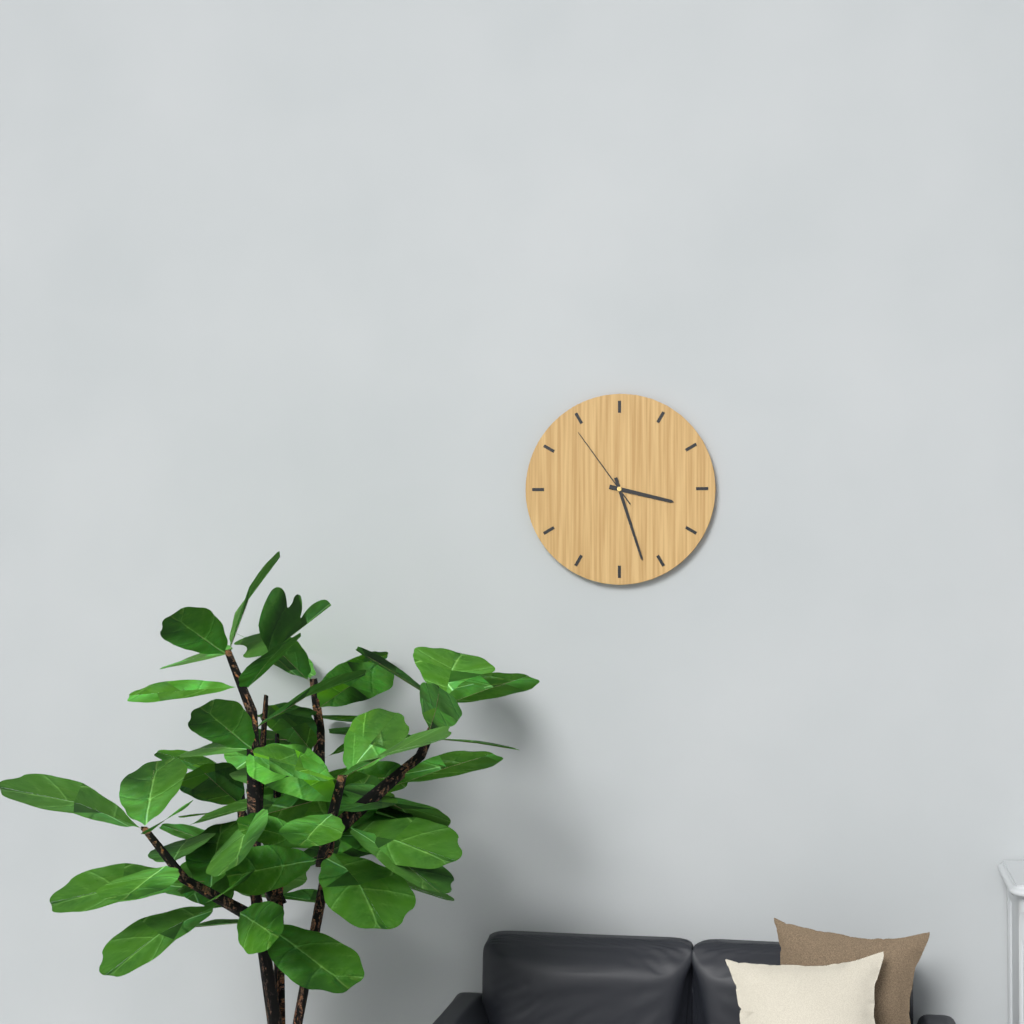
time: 3:27:54
